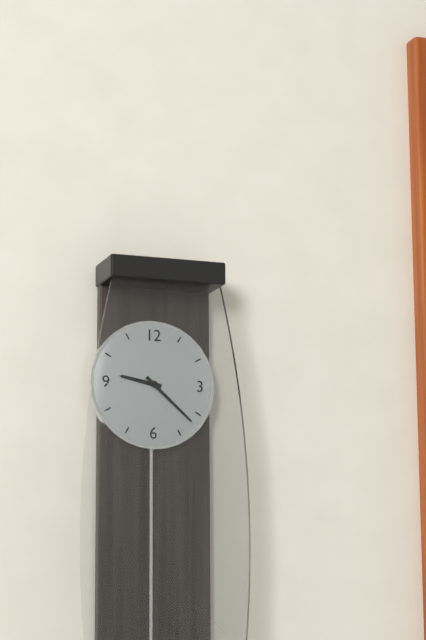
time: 9:22
